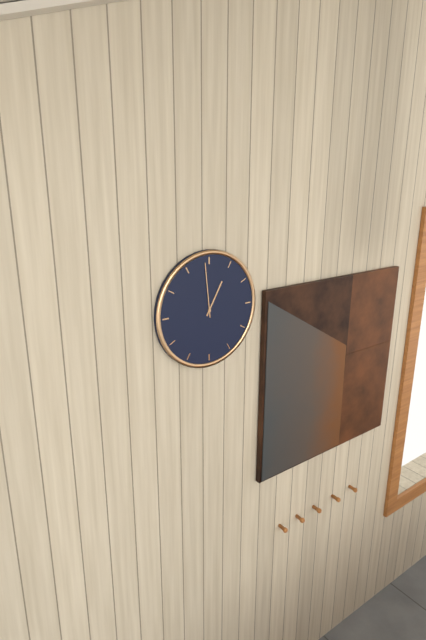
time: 12:59
